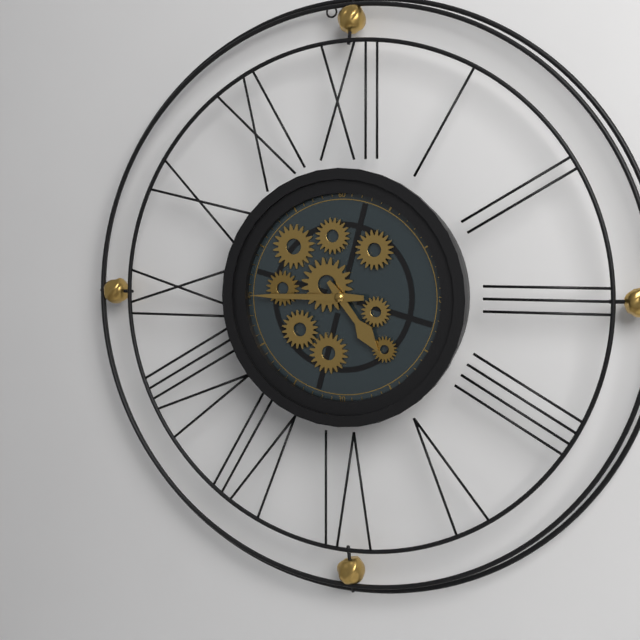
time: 4:45
